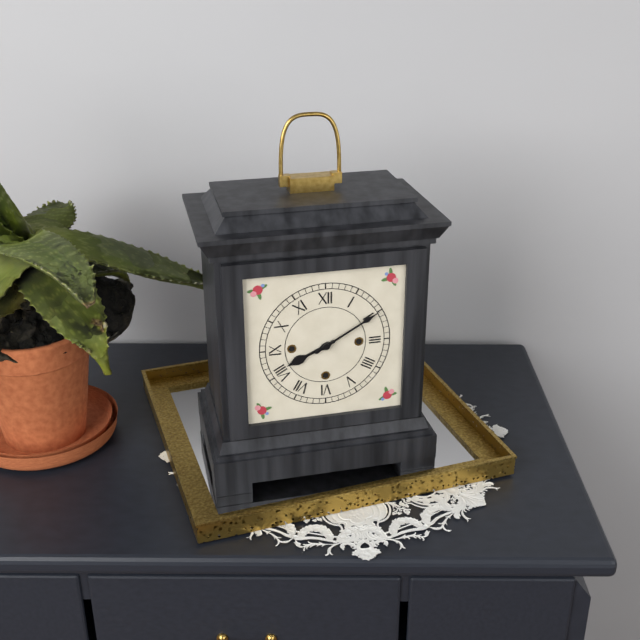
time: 8:10
